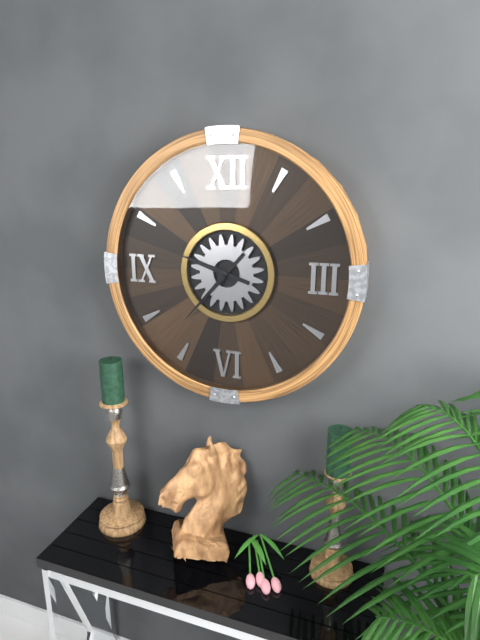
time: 9:37
